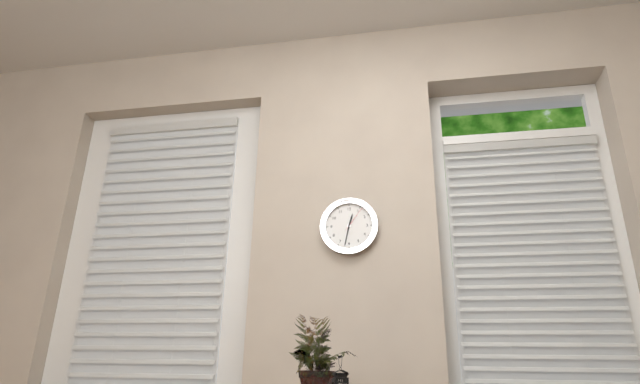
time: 12:32
